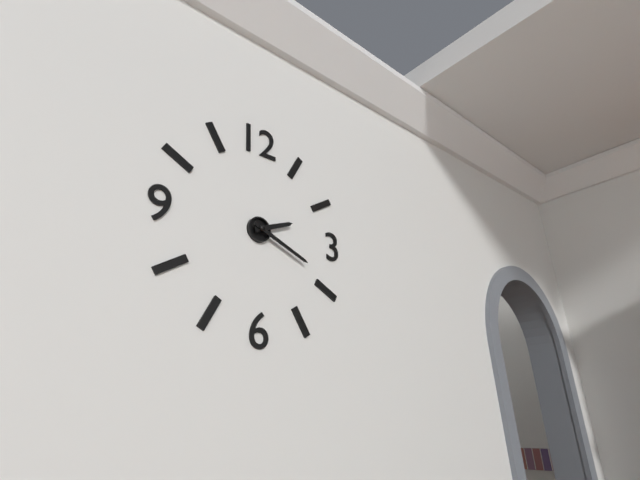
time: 2:19
